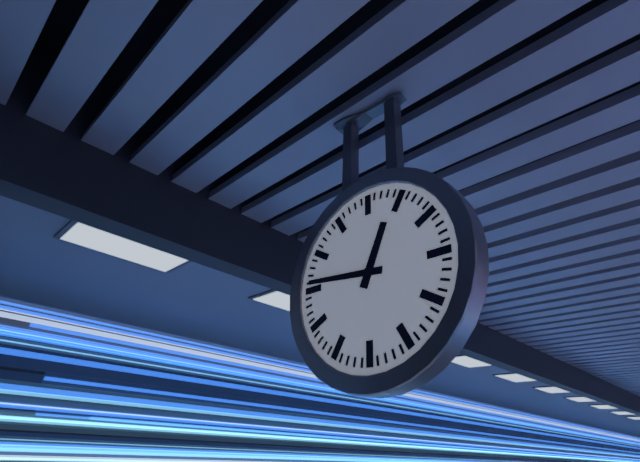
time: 12:46
